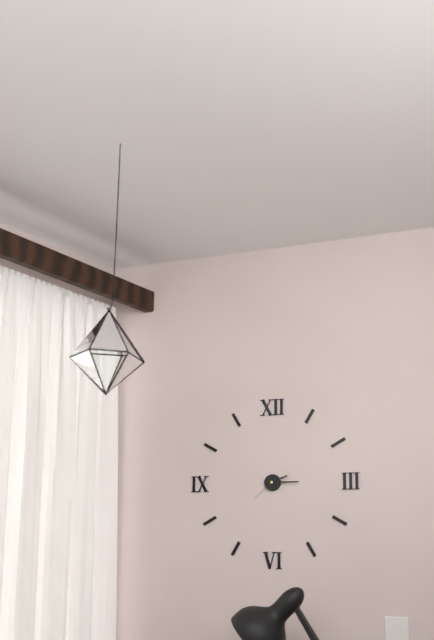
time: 2:15
